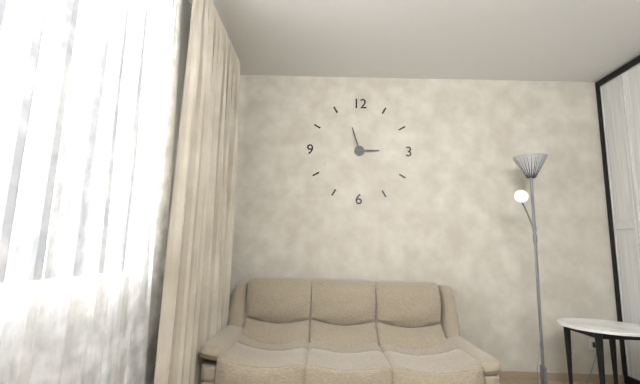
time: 2:57
